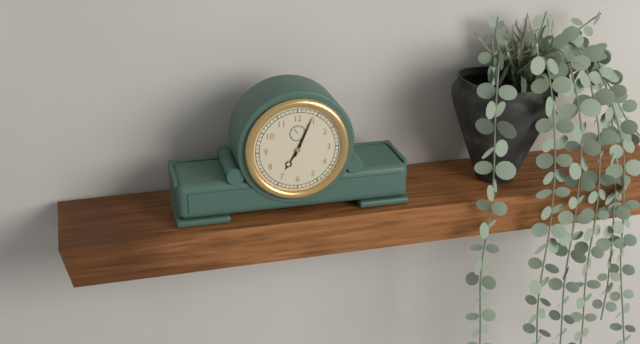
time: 7:04
